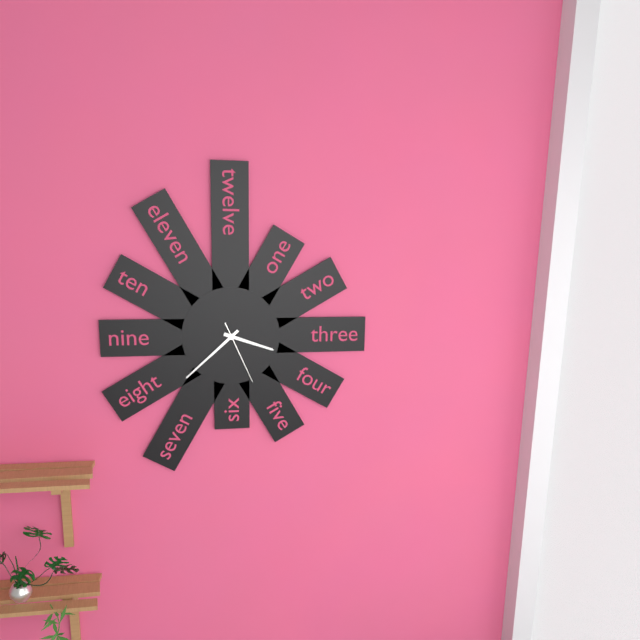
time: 3:38:26
